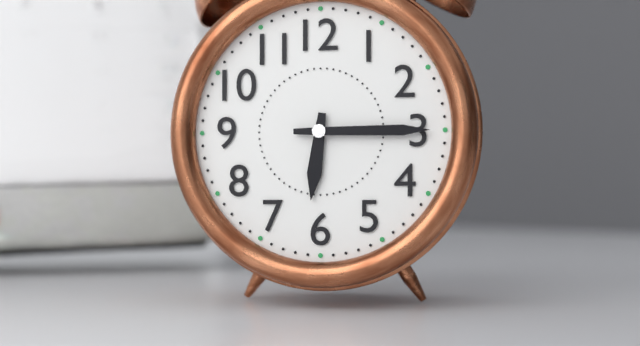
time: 6:15
